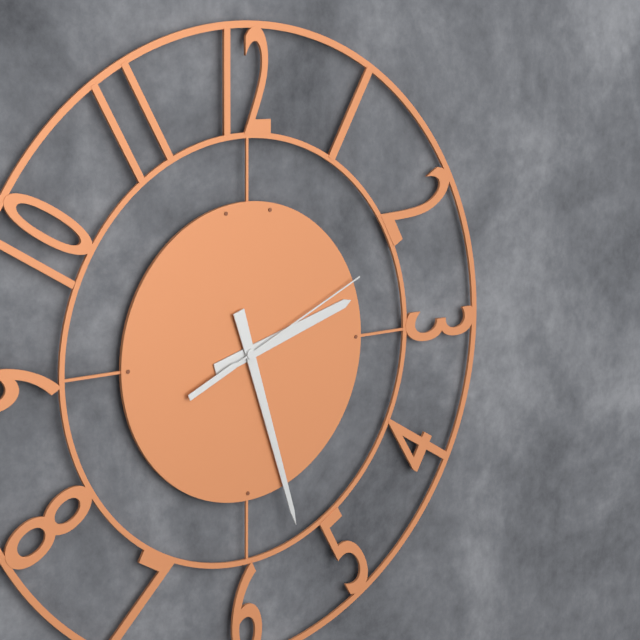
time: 2:27:11
